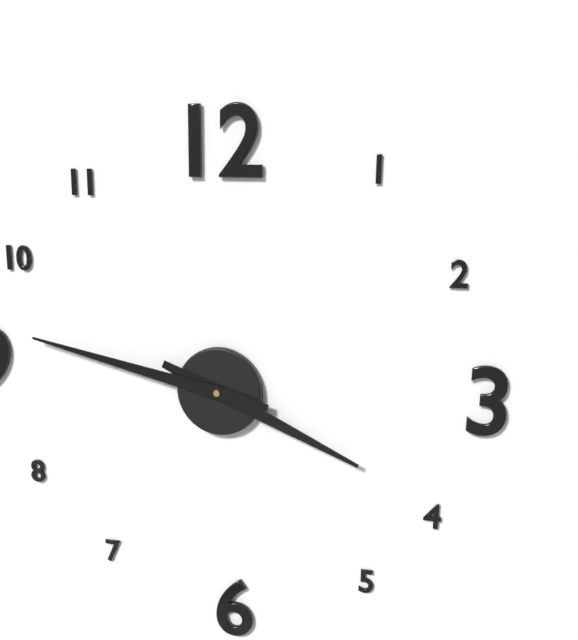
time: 3:47
